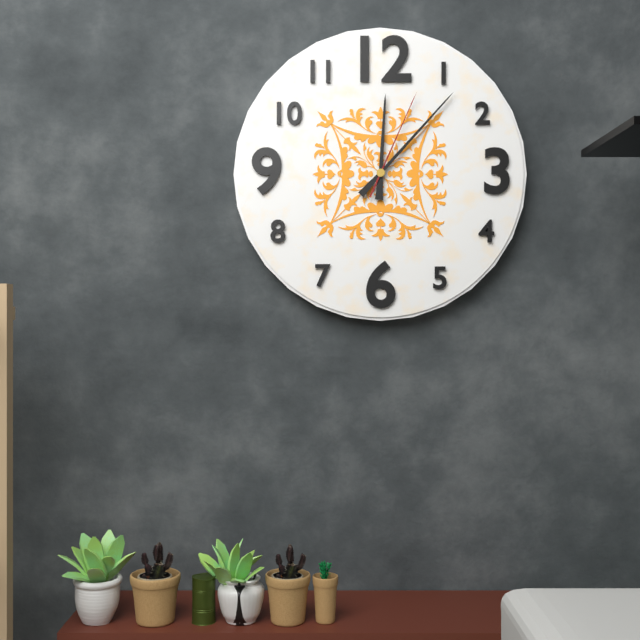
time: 12:07:04
